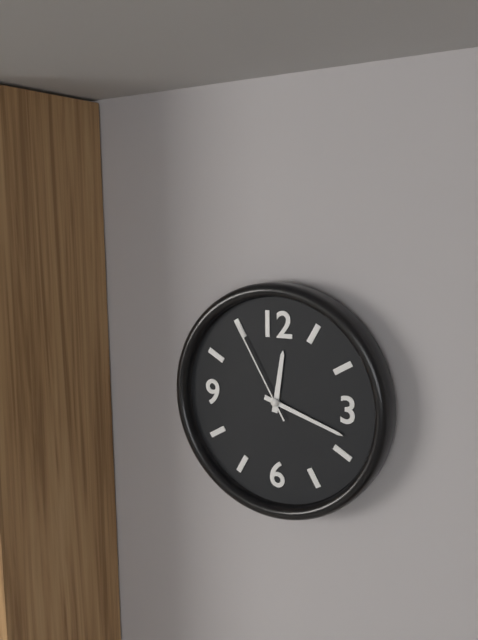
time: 12:18:55
